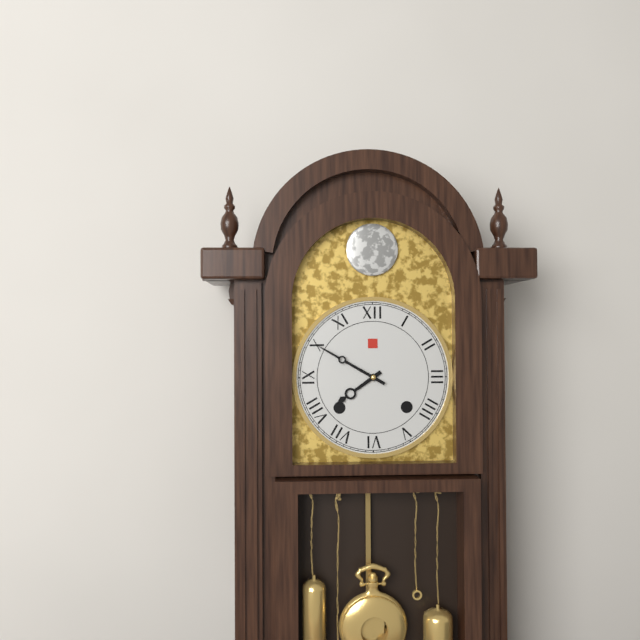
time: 7:50
